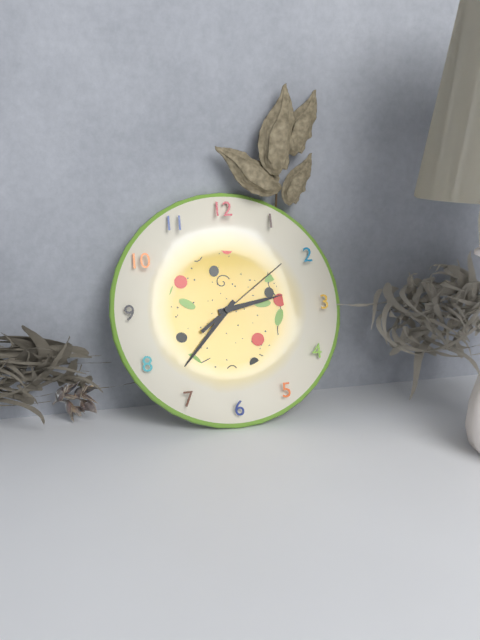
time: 2:37:09
